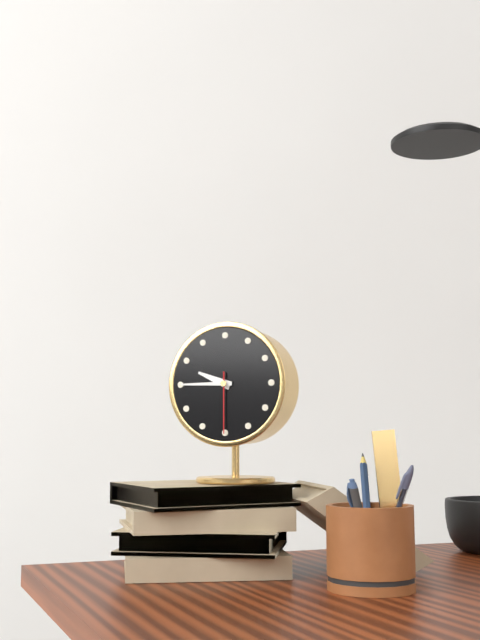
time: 9:45:30
